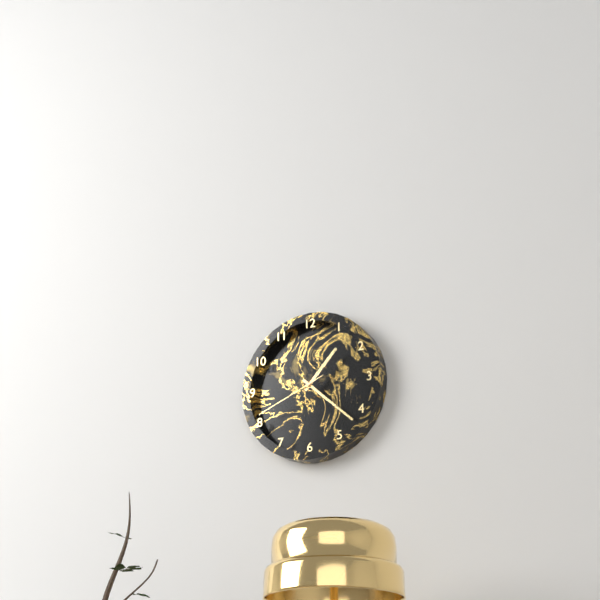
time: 1:22:41
